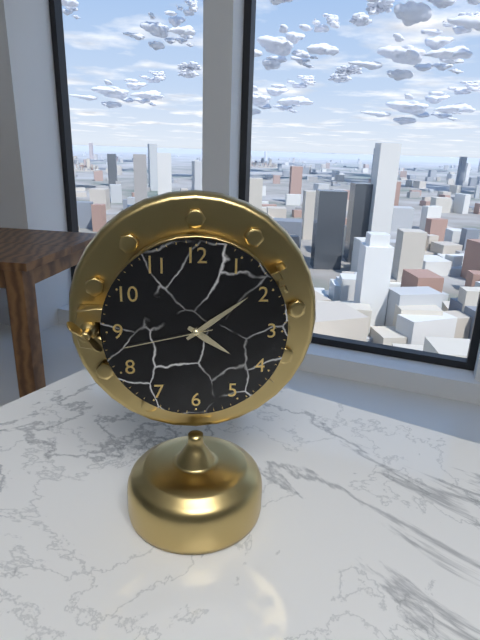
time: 4:09:43
